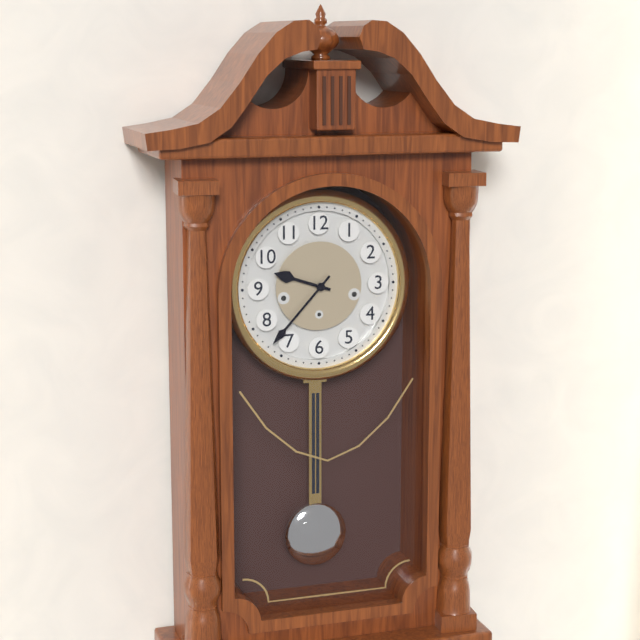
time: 9:37
